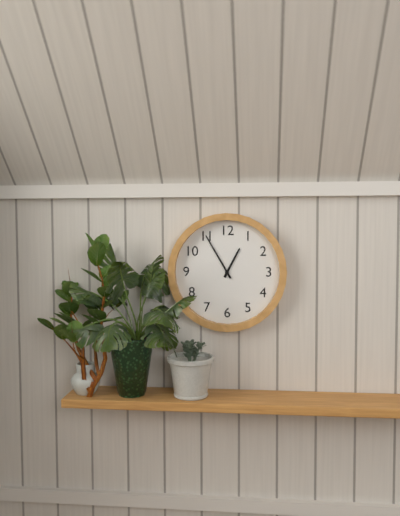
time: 12:55
